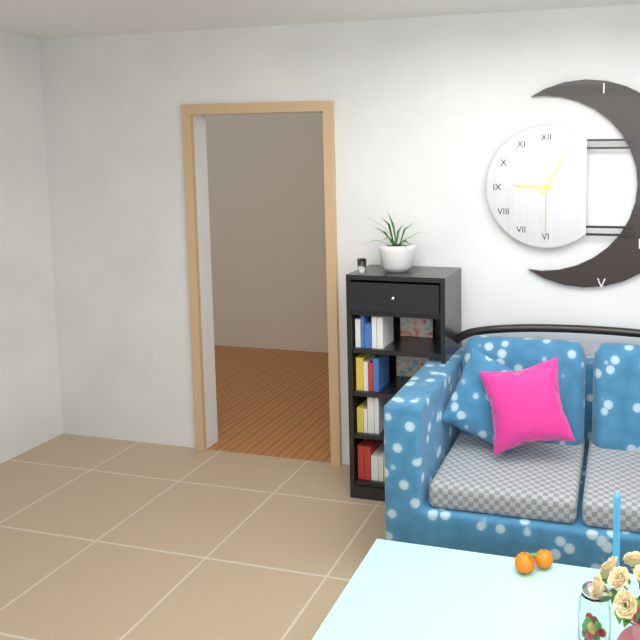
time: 9:05:30
